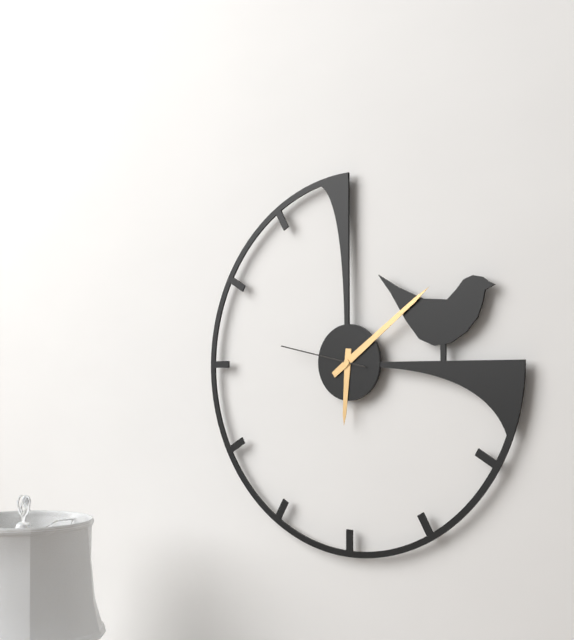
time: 6:09:47
